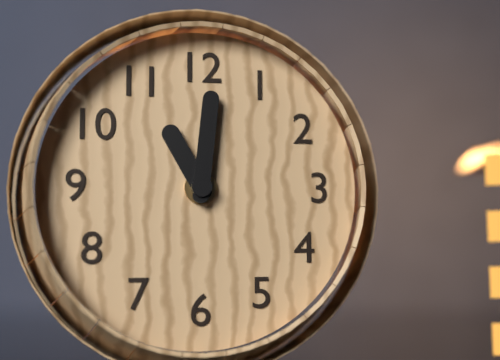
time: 11:01
